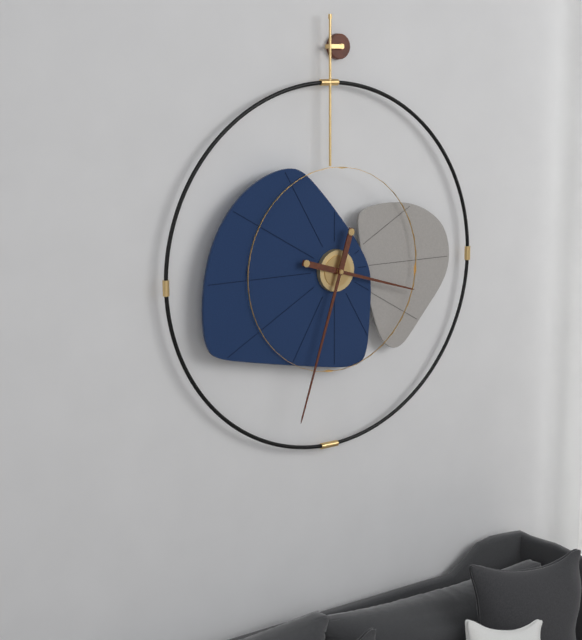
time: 3:33
